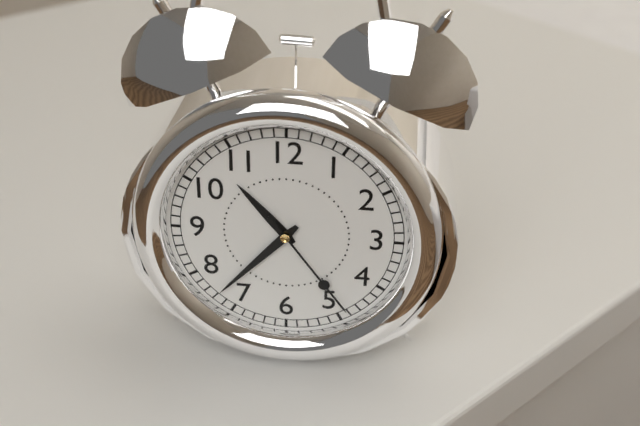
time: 10:37:24
